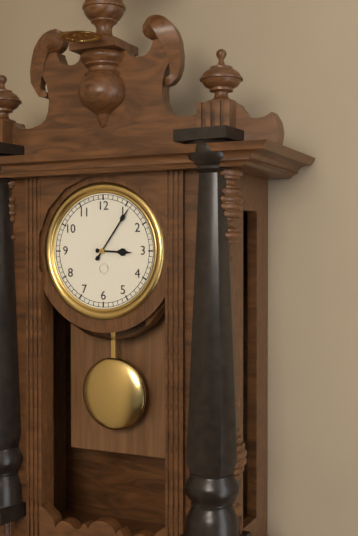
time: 3:06
